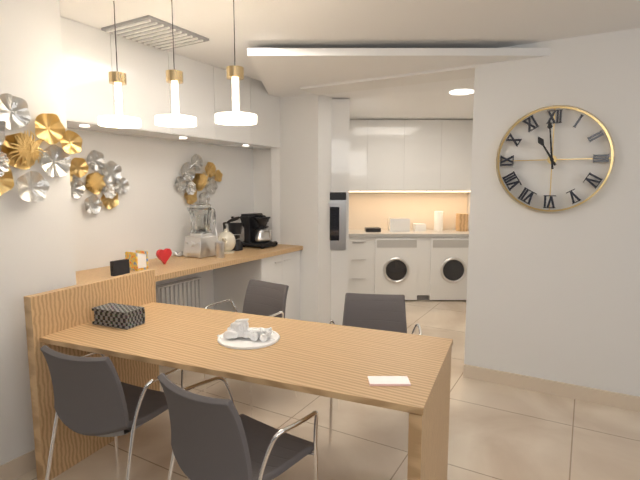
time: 10:59
